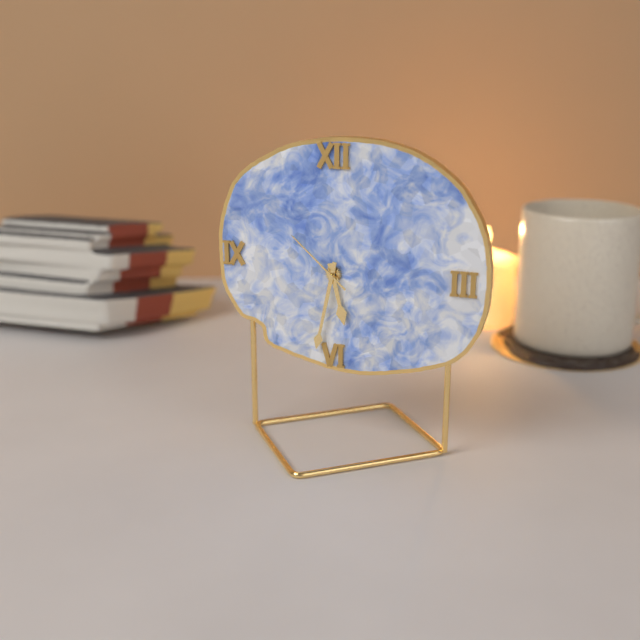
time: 5:32:52
